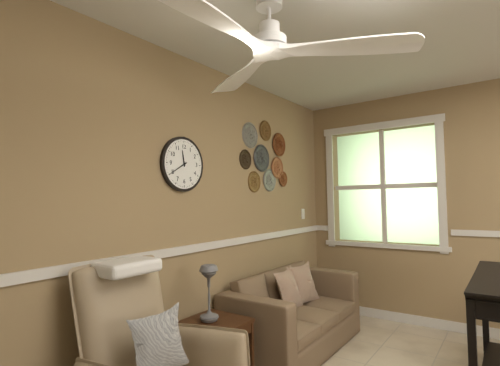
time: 11:40
